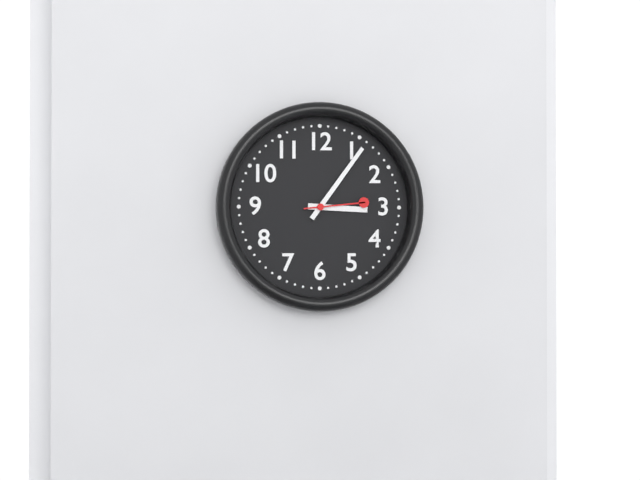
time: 3:06:14
